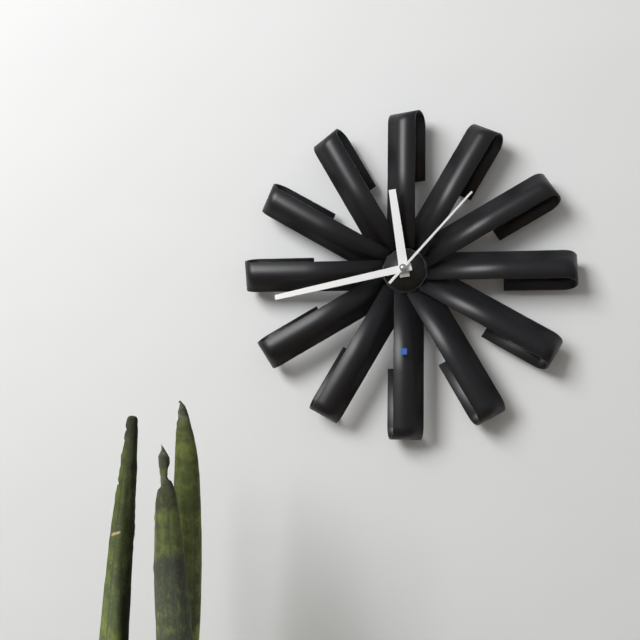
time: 11:43:07
